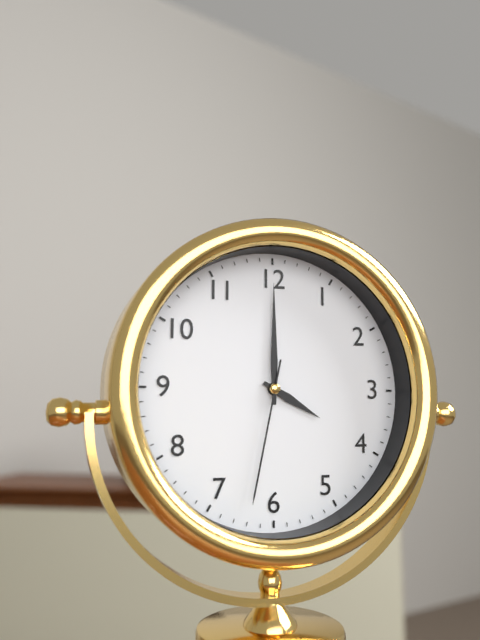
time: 4:00:32
